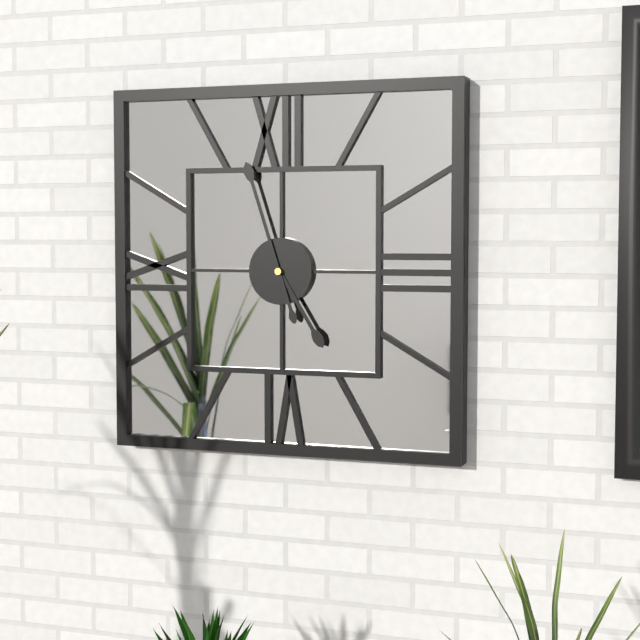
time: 4:57
